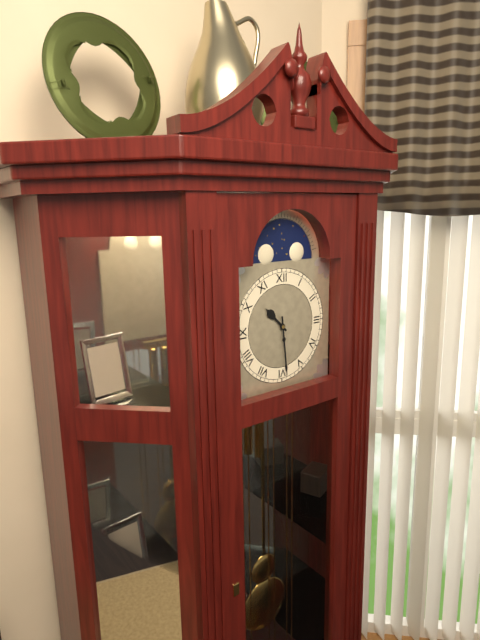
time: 10:29
